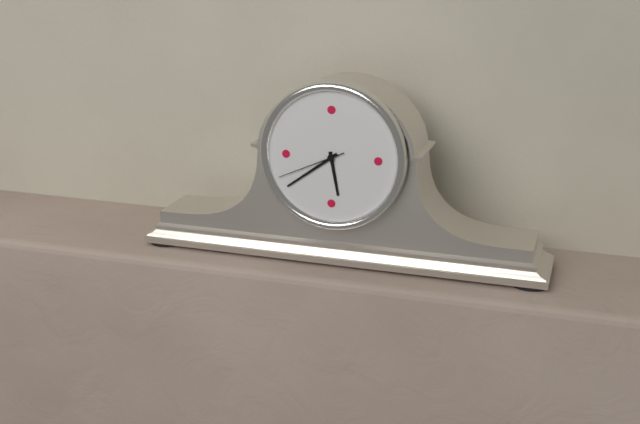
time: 5:39:41
